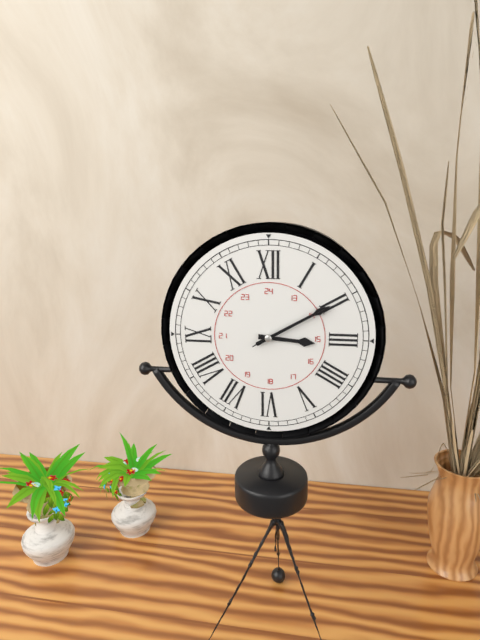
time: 3:10:10
